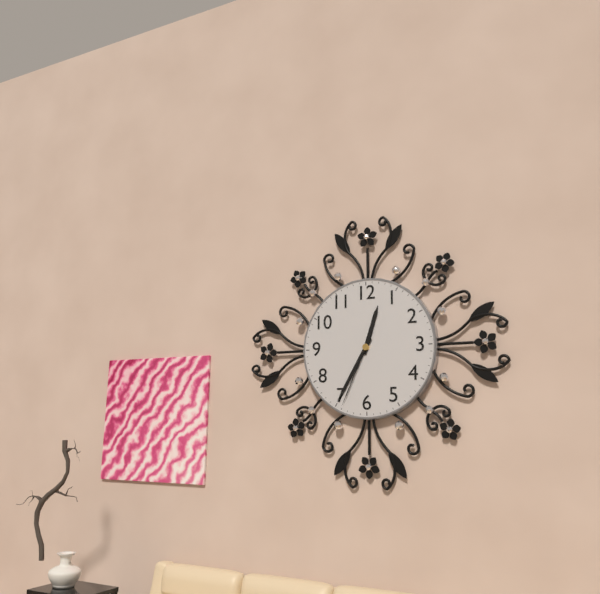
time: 12:35:34
